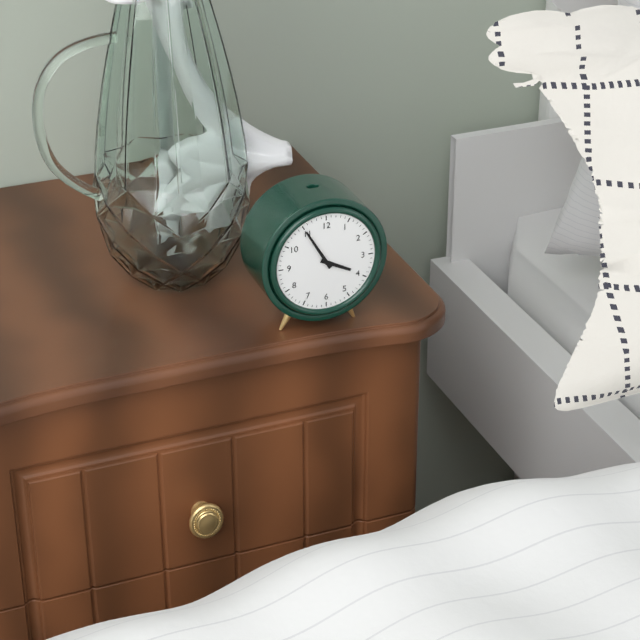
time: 3:55
